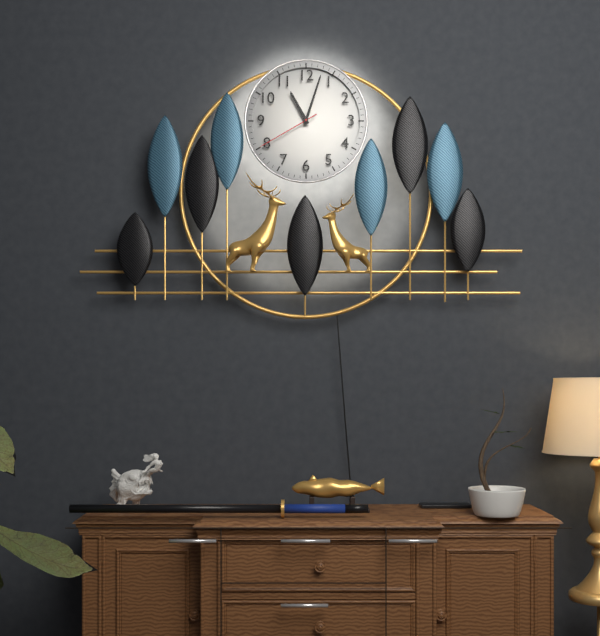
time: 11:03:40
